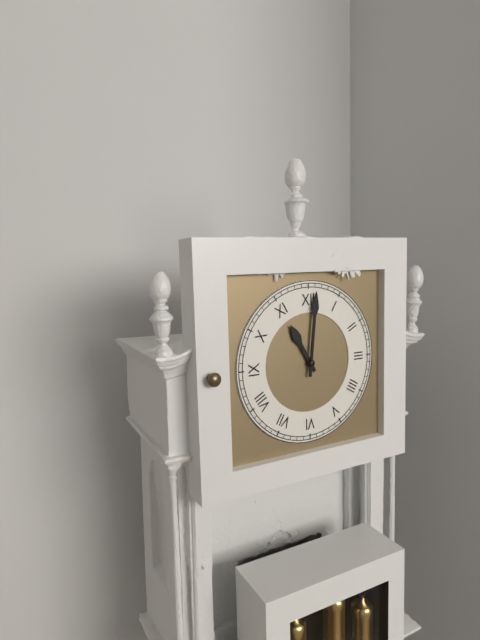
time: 11:01
